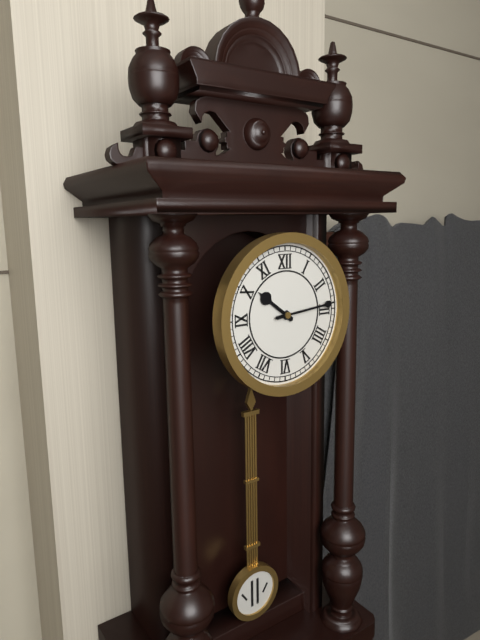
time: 10:14
